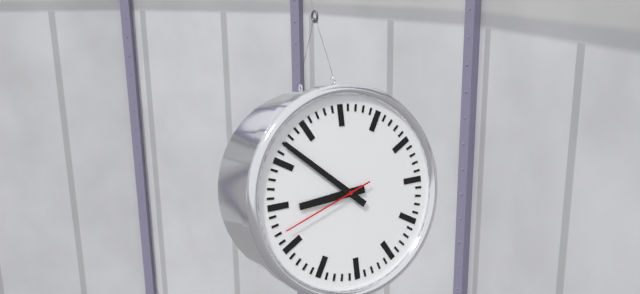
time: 8:52:42
